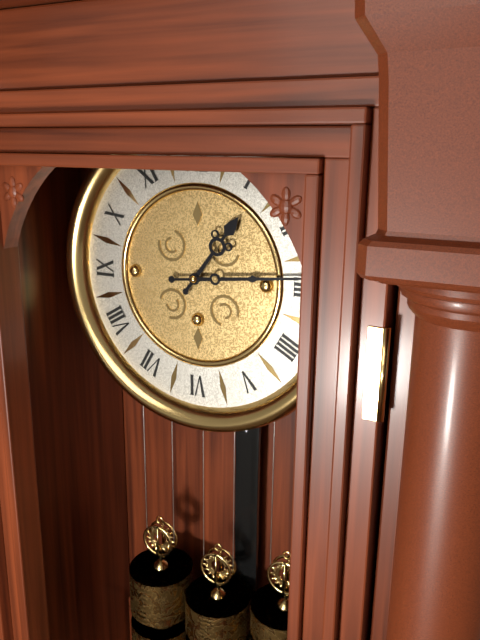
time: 1:14
